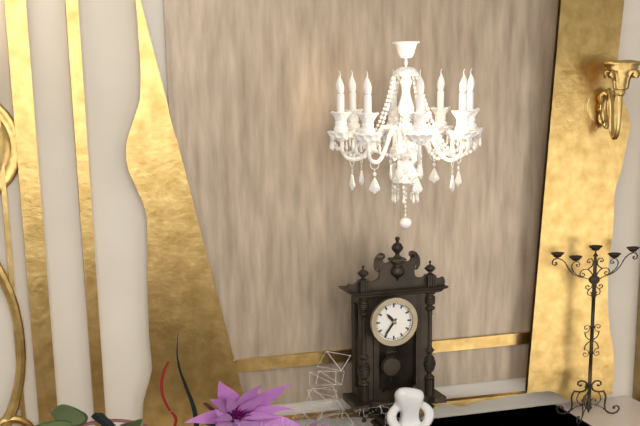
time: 10:36
